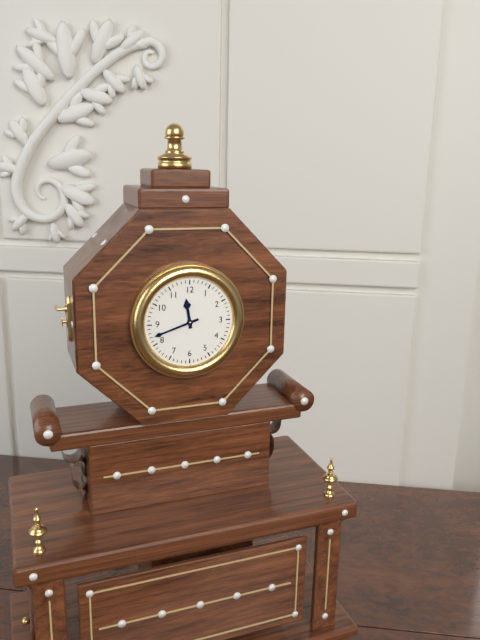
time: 11:42
